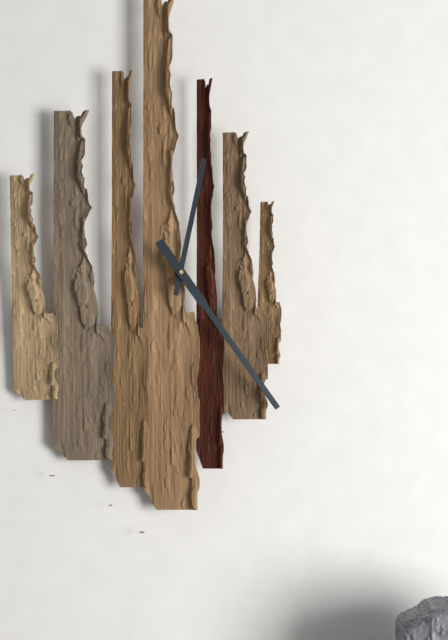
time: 12:24
